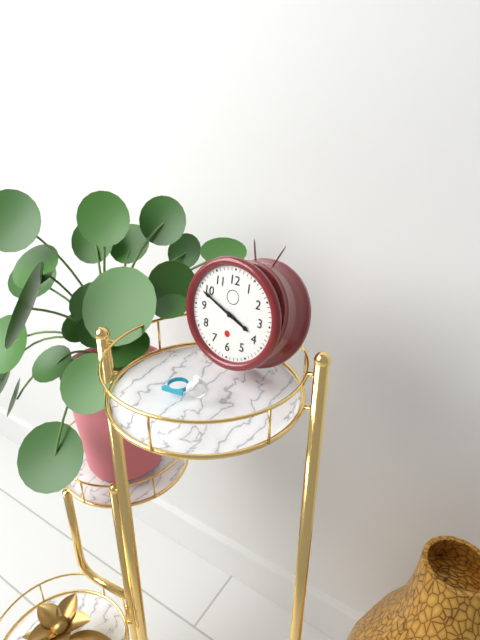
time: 3:49
